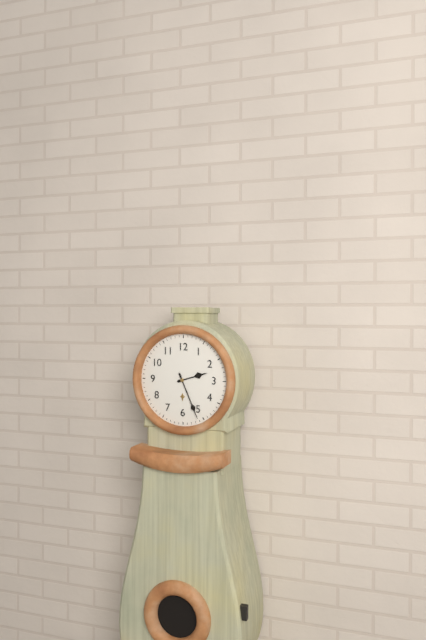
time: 2:26
